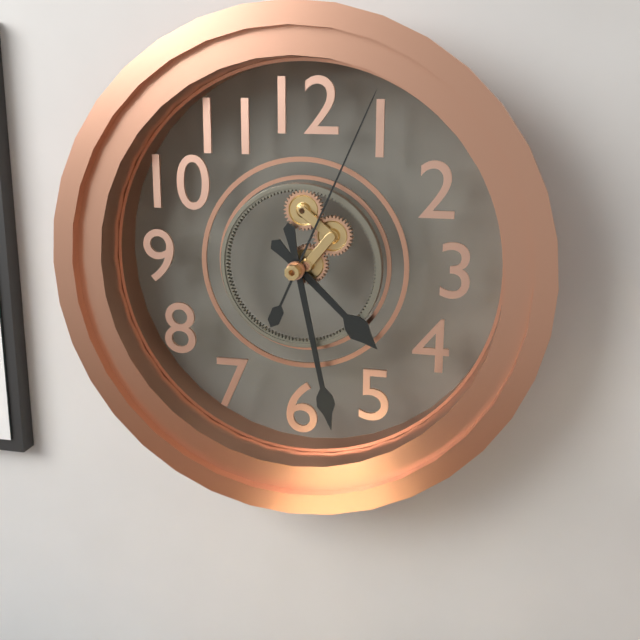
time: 4:28:04
